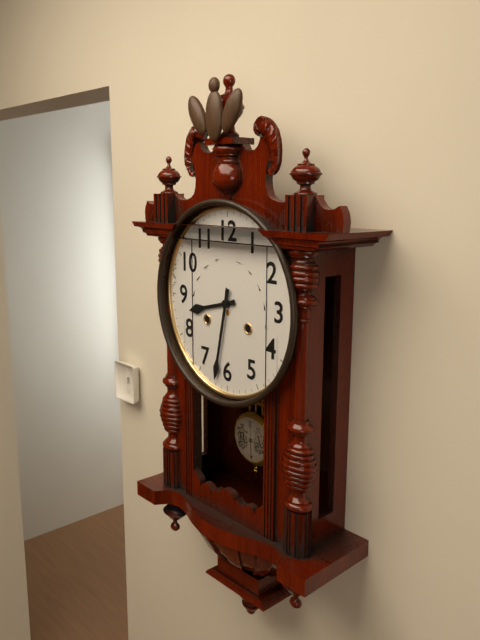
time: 8:32
